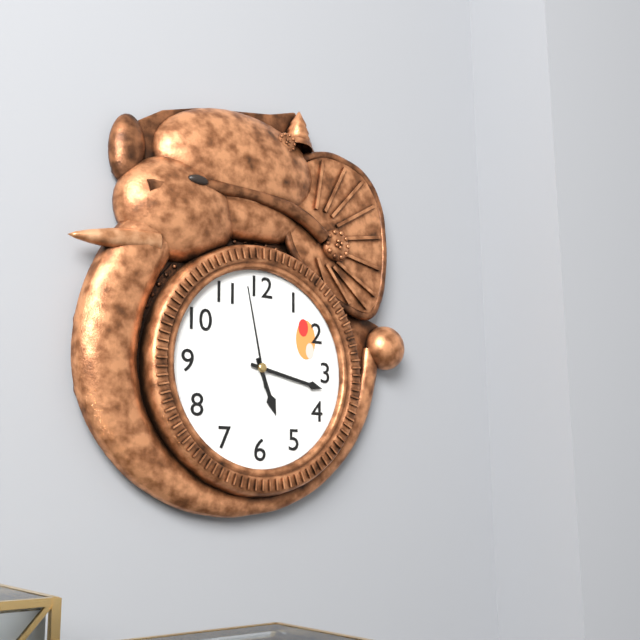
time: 5:17:58
